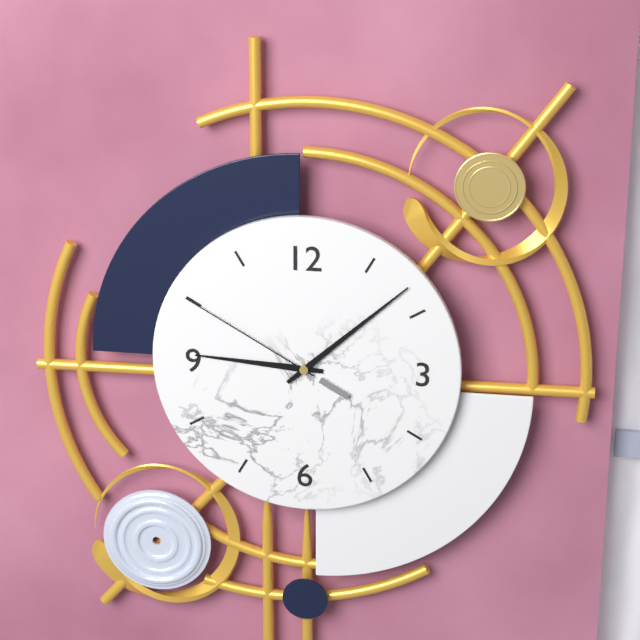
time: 9:08:50
